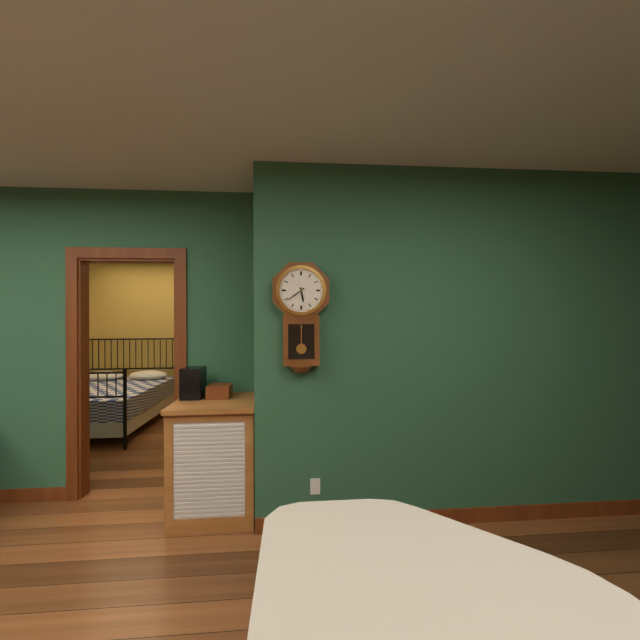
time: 5:39
